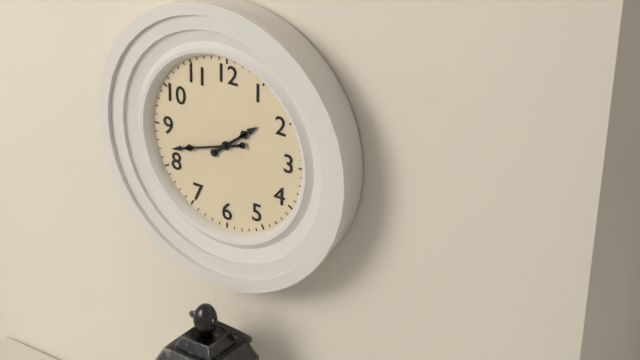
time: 1:42
